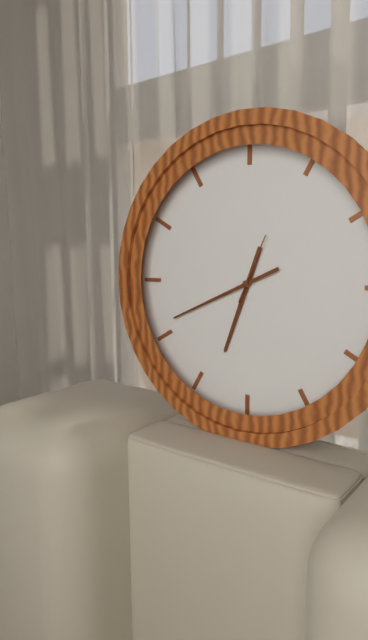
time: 6:41:04
